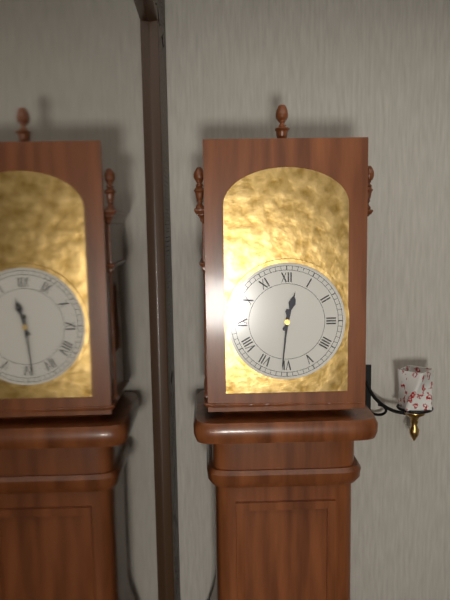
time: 12:31
